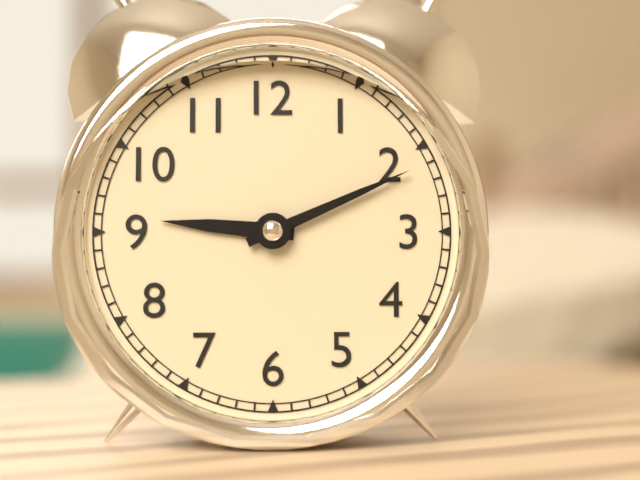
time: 9:11
